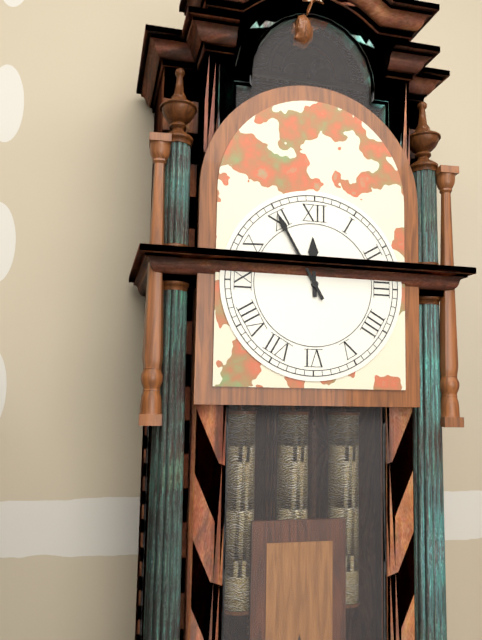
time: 11:55
